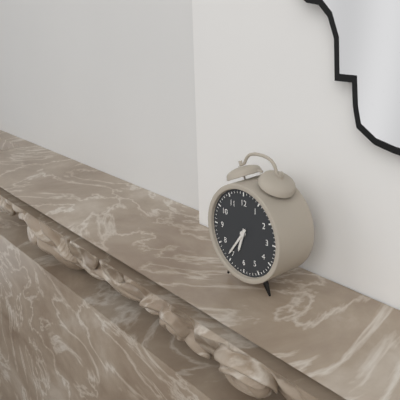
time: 6:36
